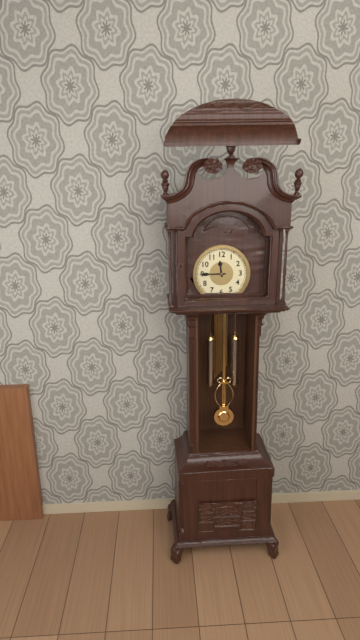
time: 11:45
